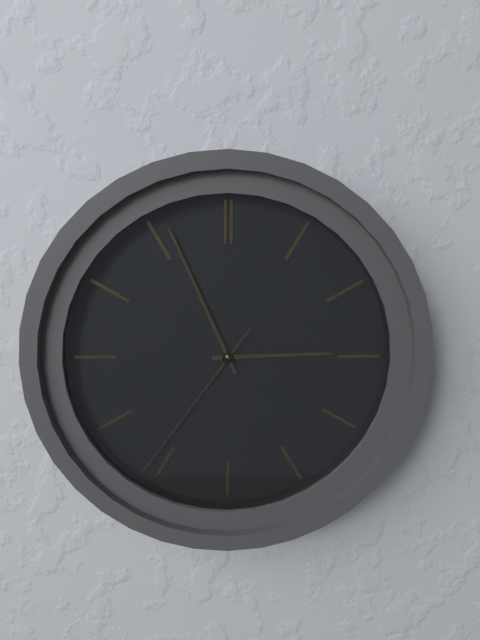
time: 2:56:36
